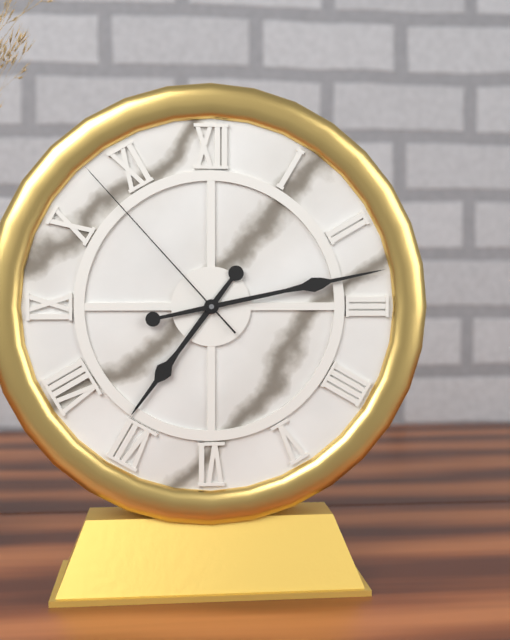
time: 7:13:53
